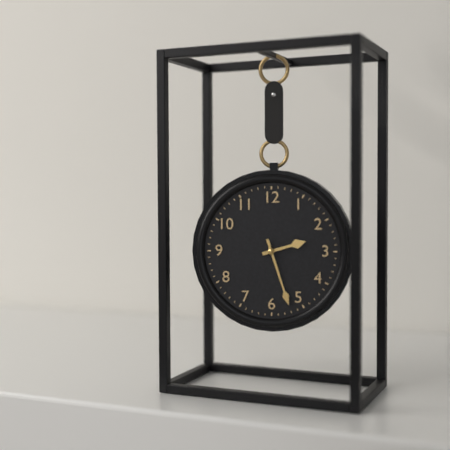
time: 2:27
